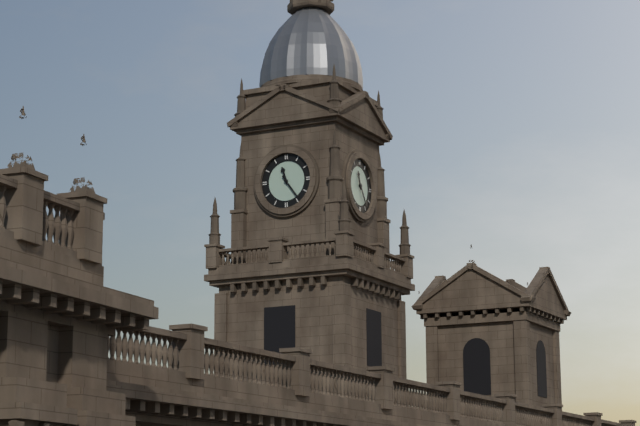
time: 11:24
